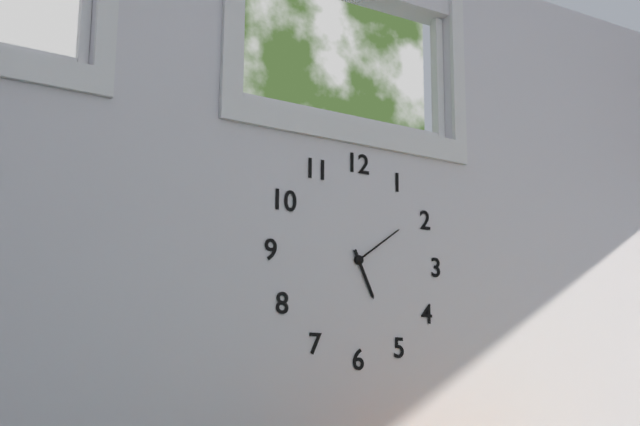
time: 5:09
